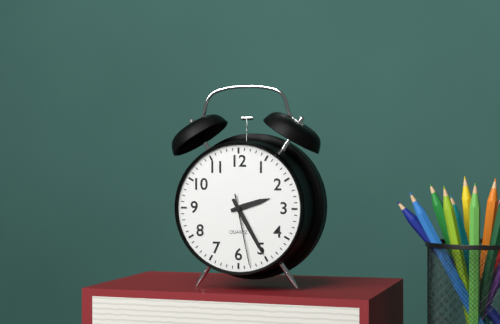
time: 2:25:28
